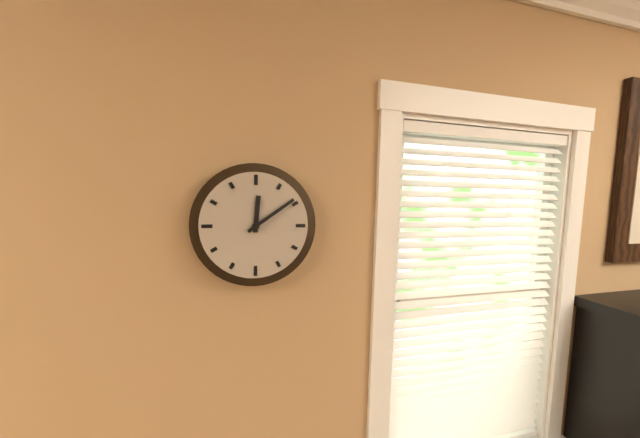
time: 12:09
